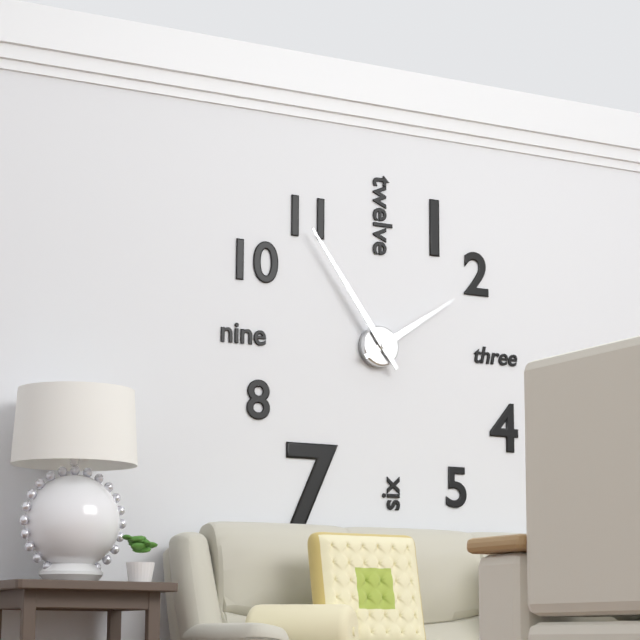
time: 1:54
